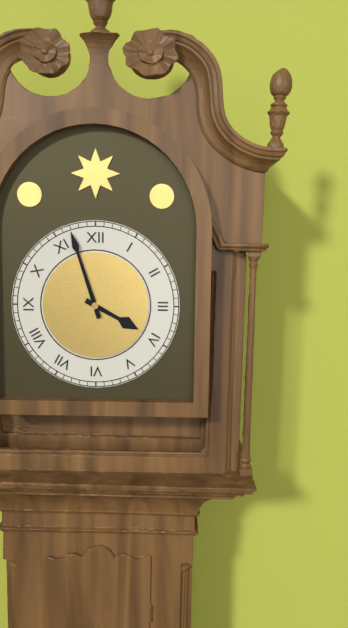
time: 3:57
